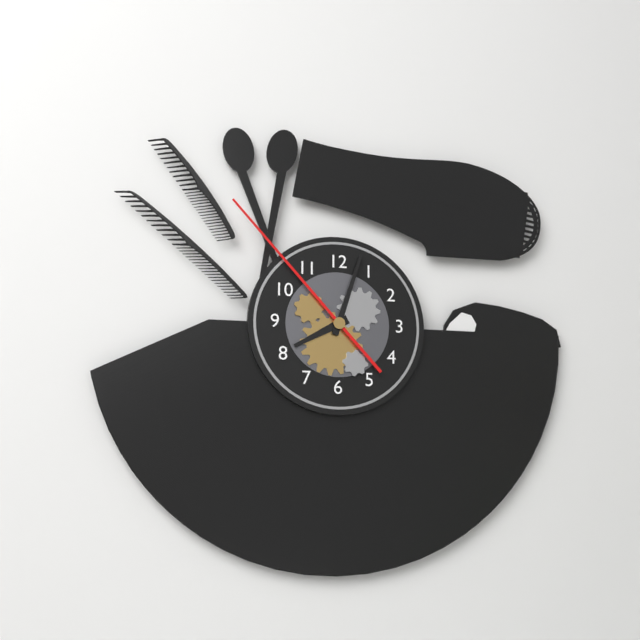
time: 8:03:53
